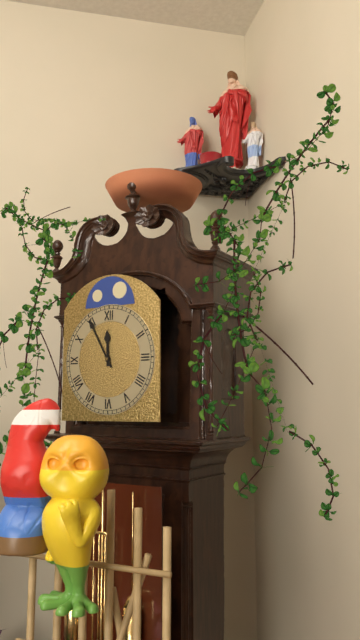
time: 11:55
